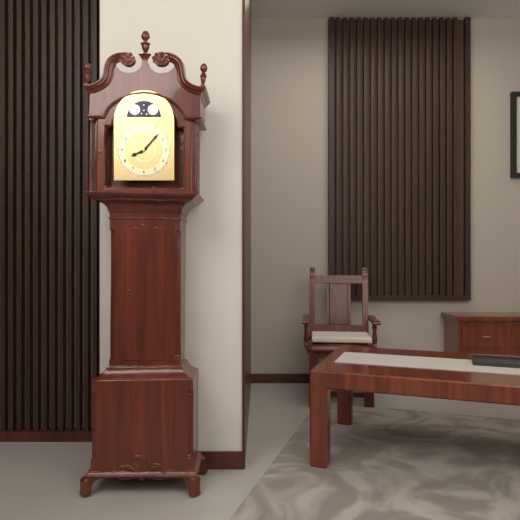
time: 8:07
